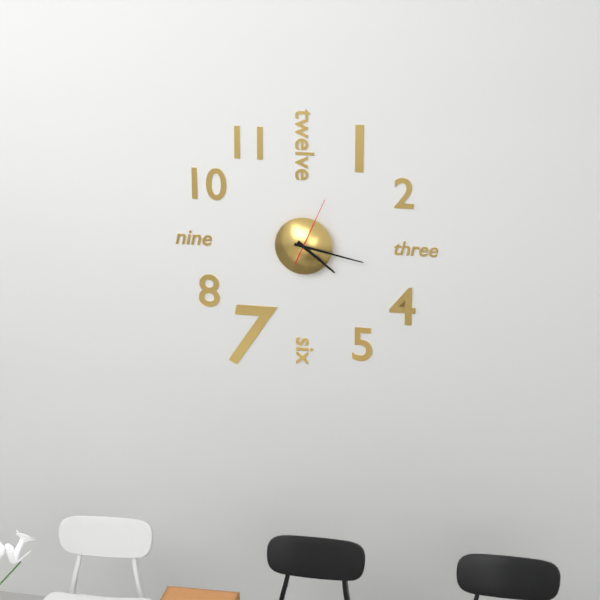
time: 4:17:04
